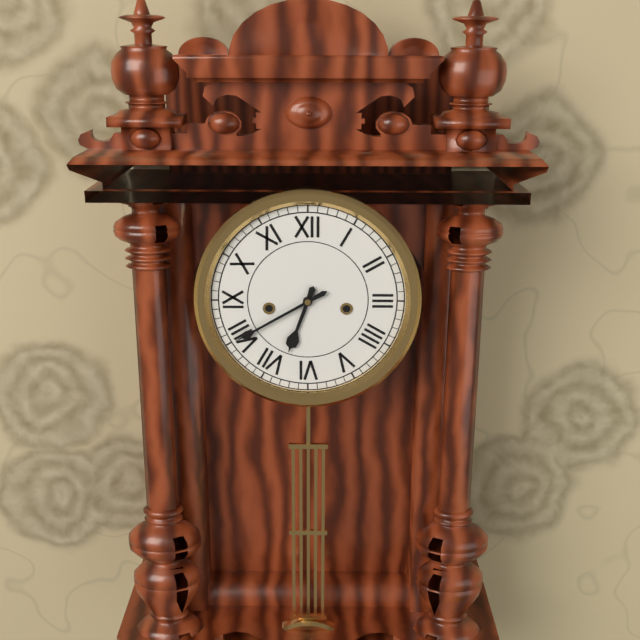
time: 6:40
